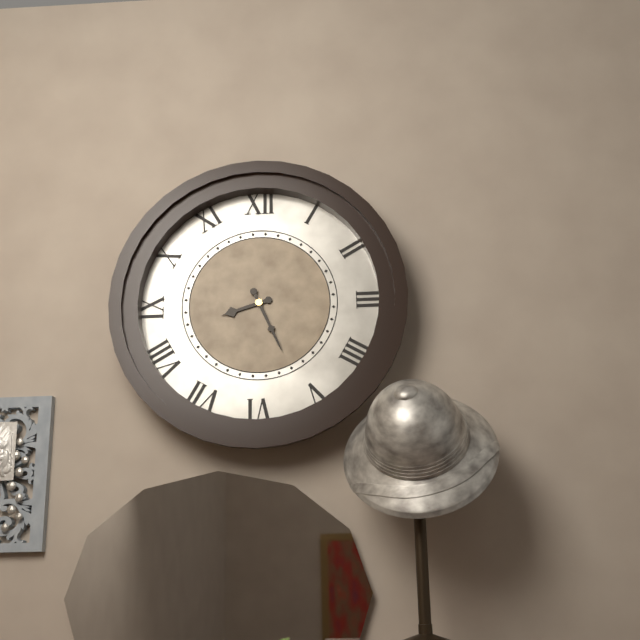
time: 8:26
